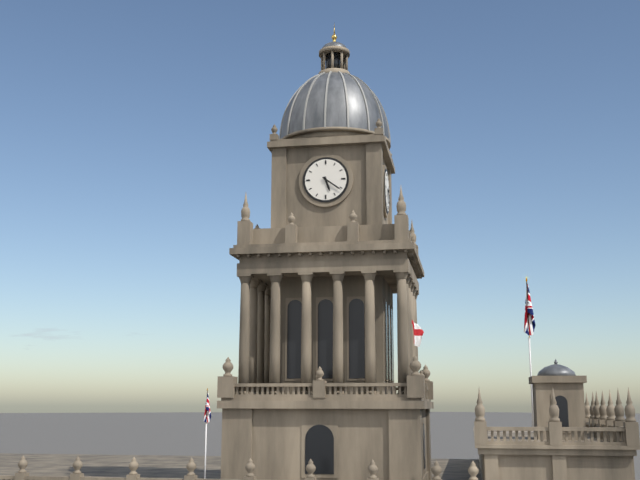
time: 5:21
